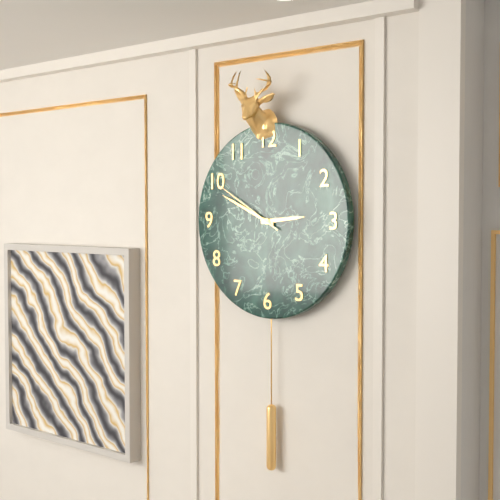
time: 2:49:50
